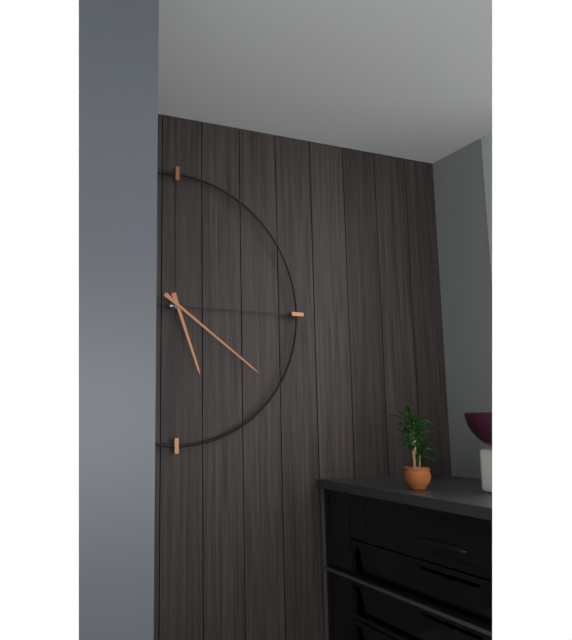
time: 5:21
